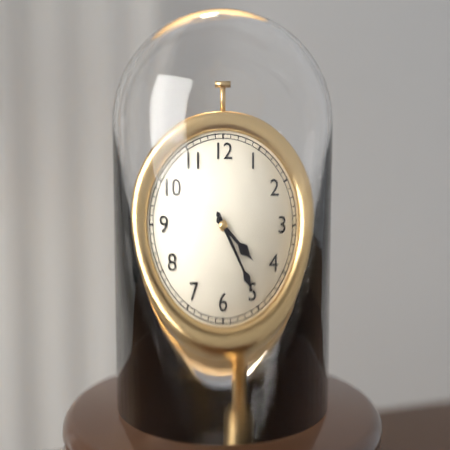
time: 4:25
